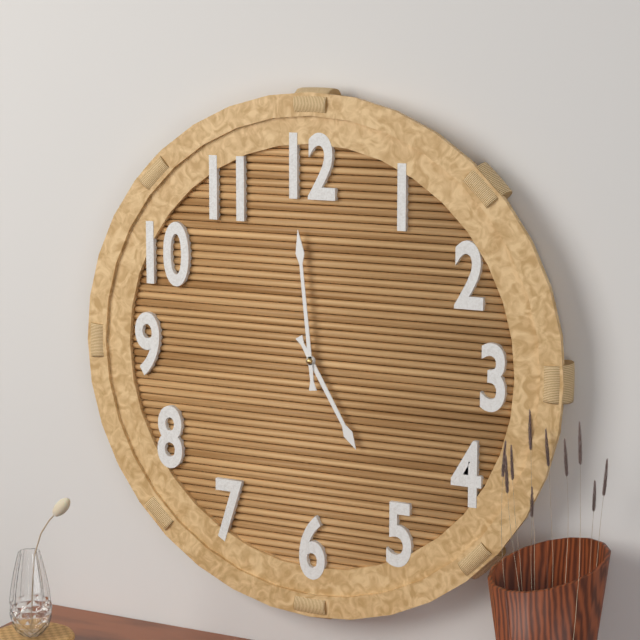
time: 4:59
